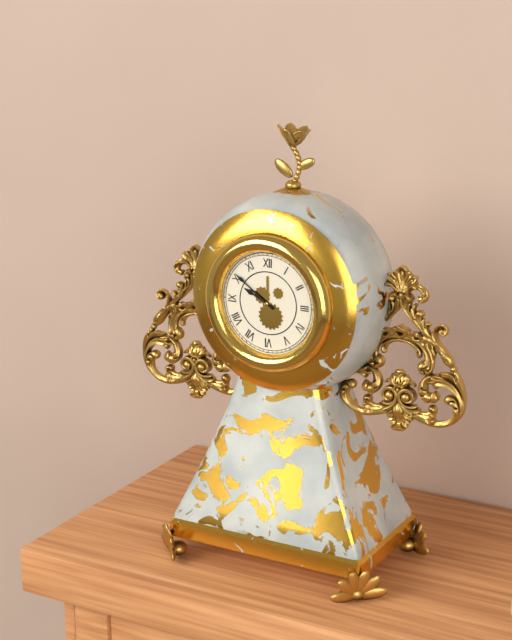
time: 9:51
